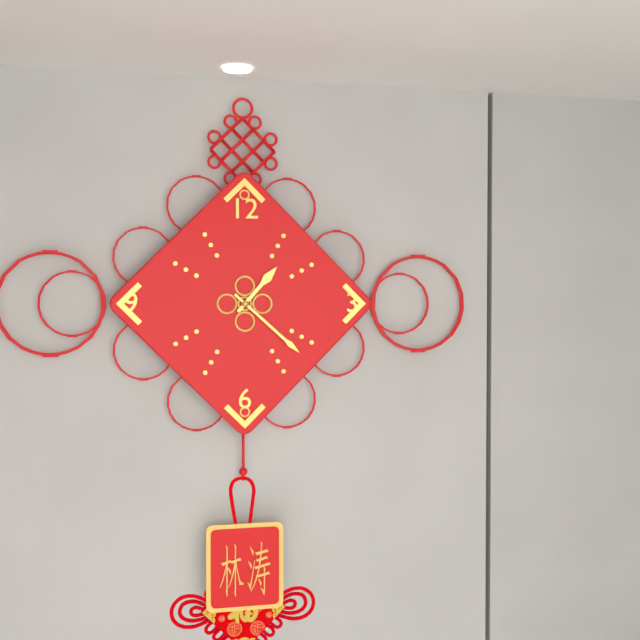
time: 1:22
